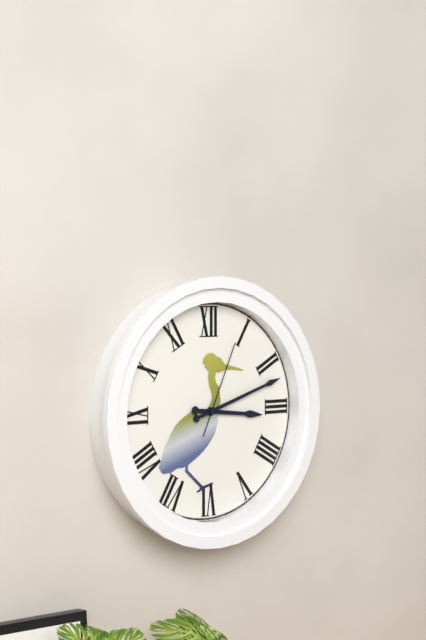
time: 3:12:04
